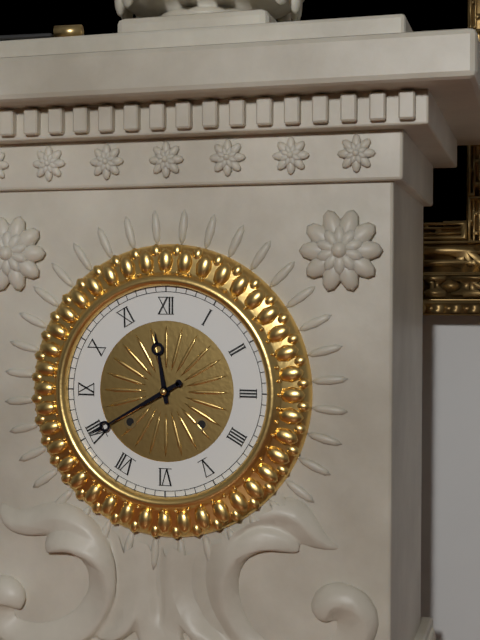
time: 11:40
